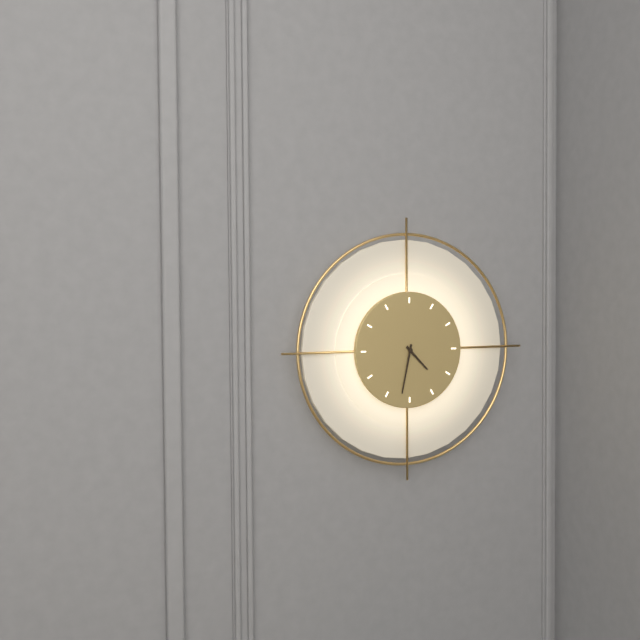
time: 4:32
